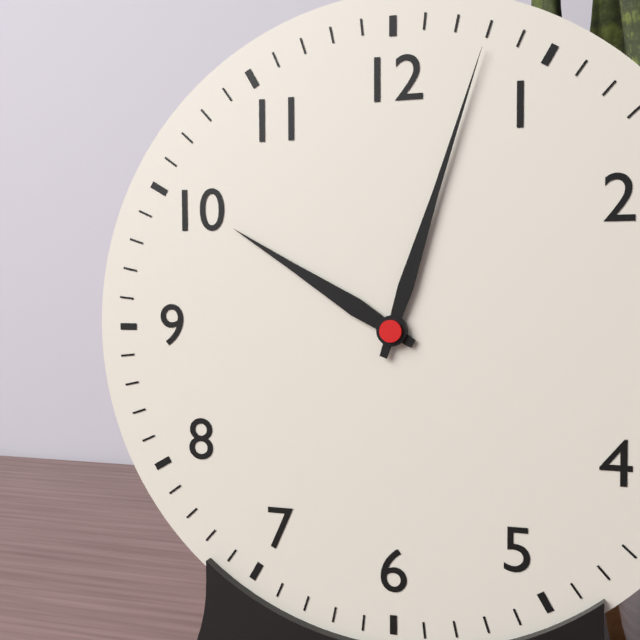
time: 10:03
